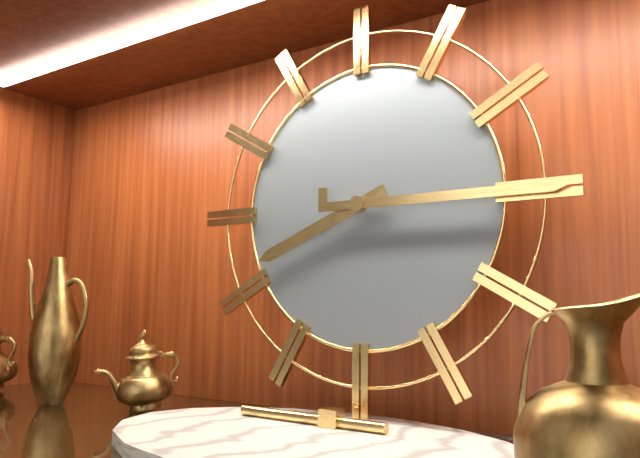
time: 8:15
